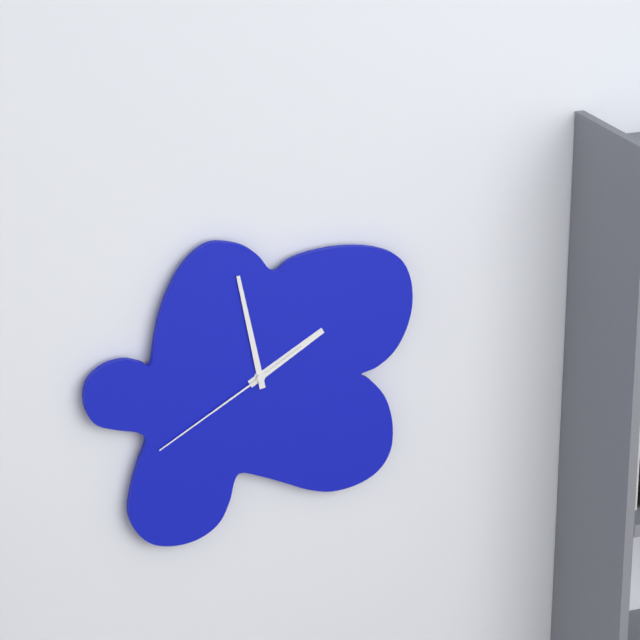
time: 1:58:40
